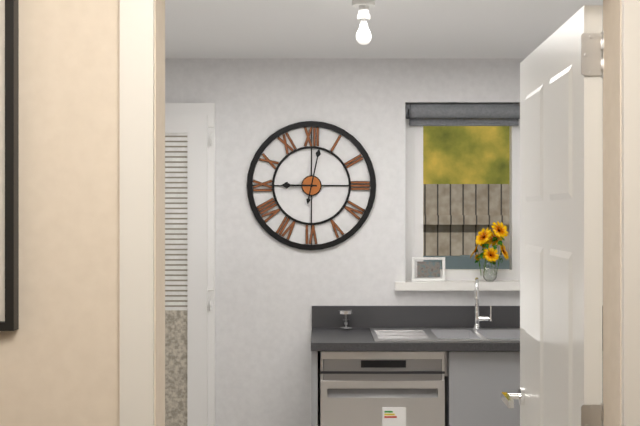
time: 9:02
